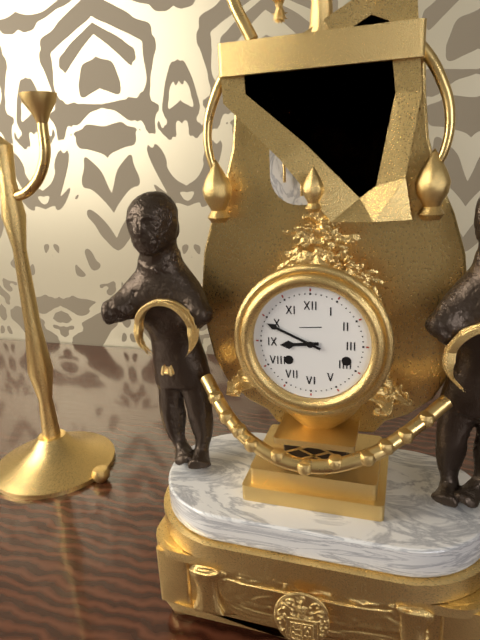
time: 8:49
